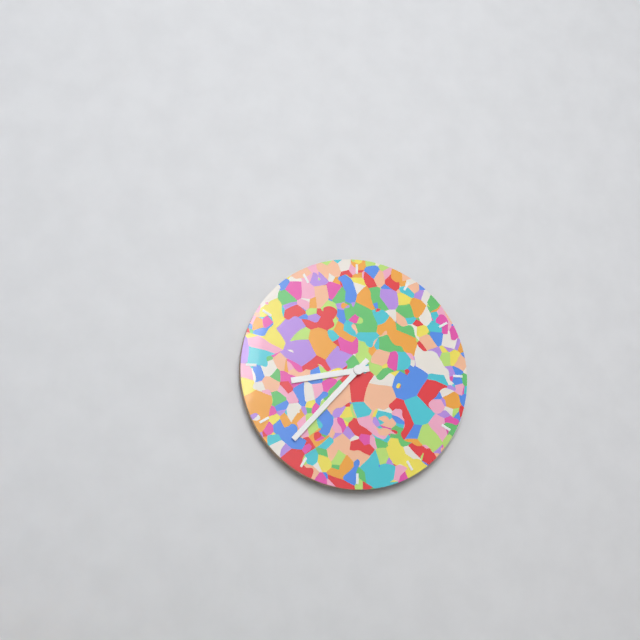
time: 8:37
